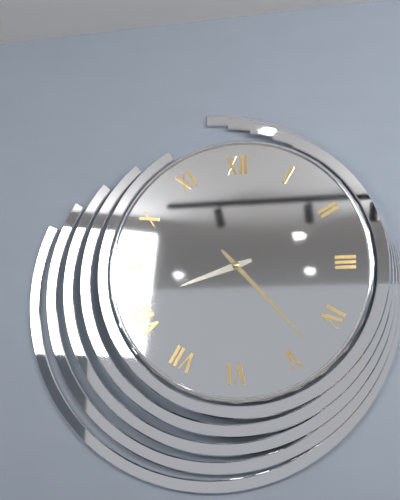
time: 8:23
